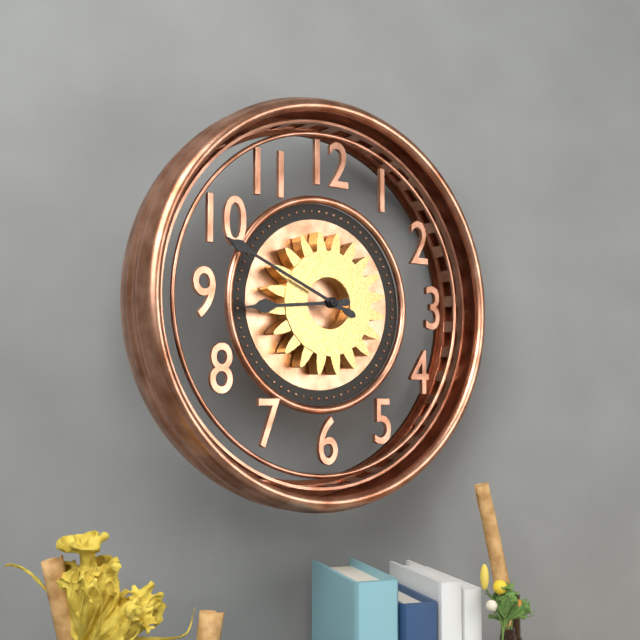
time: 8:49
